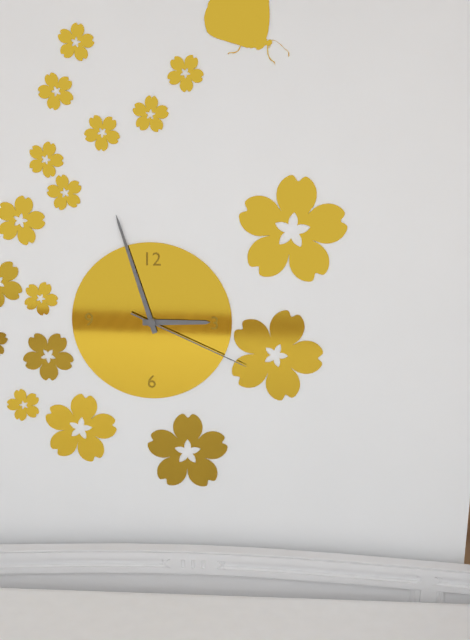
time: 2:57:19
